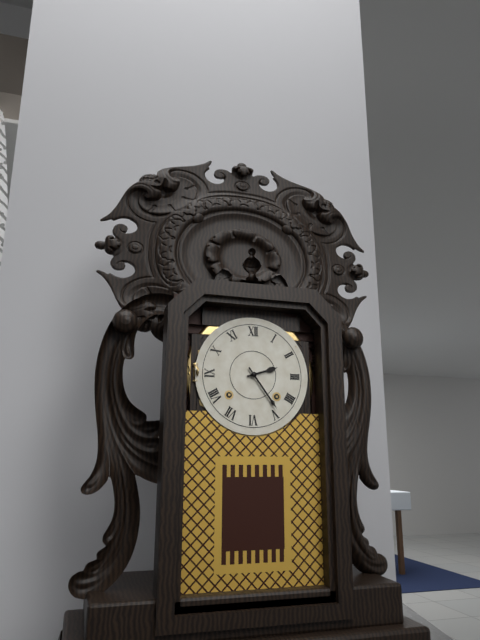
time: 2:24
